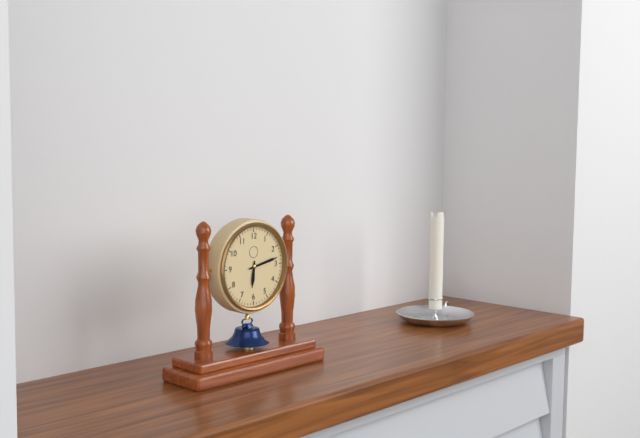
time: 6:13
